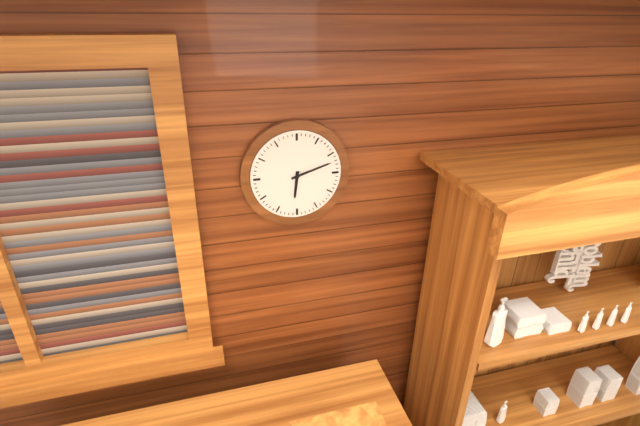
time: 6:12
